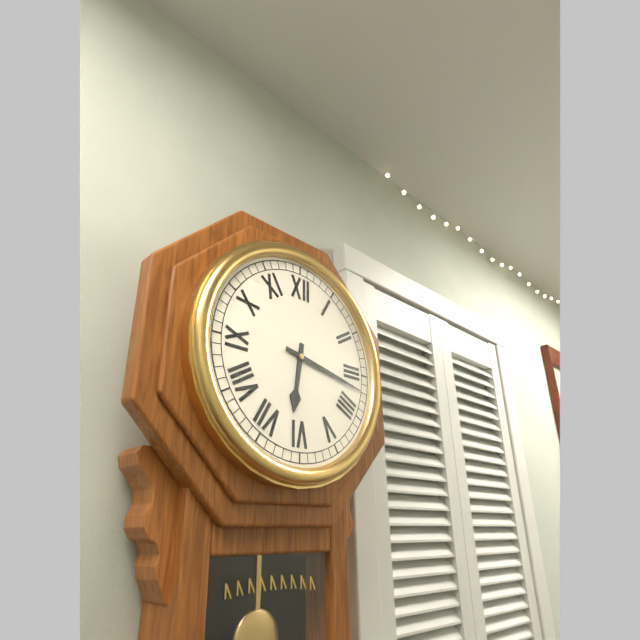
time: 6:17
